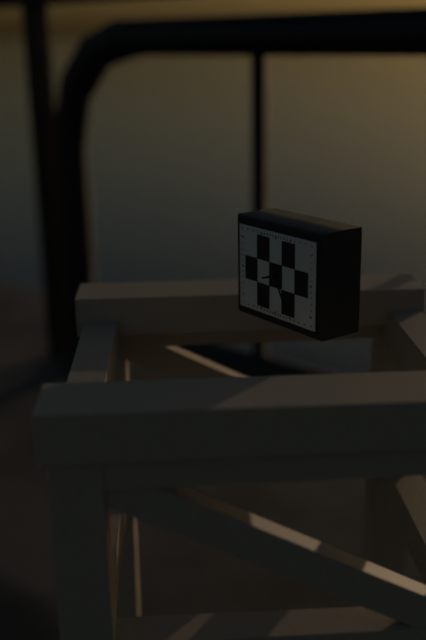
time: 8:25
